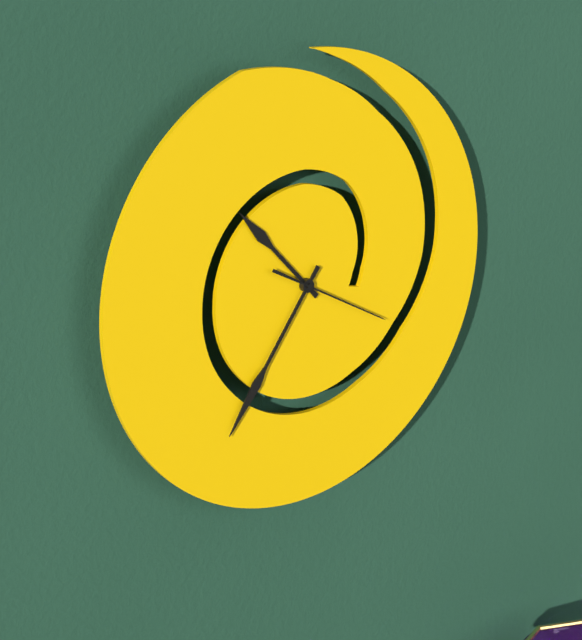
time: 10:36:20
